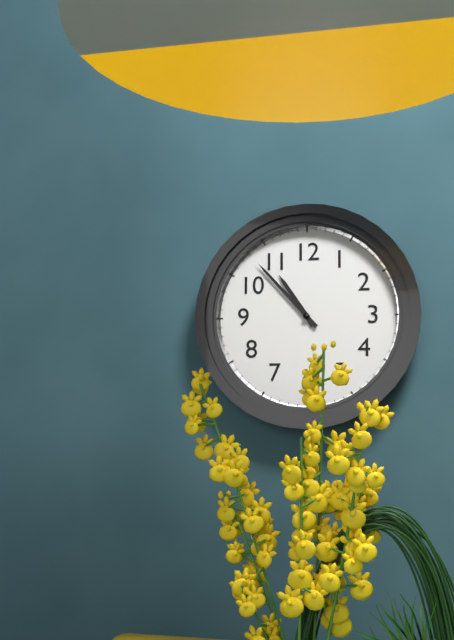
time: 10:53
